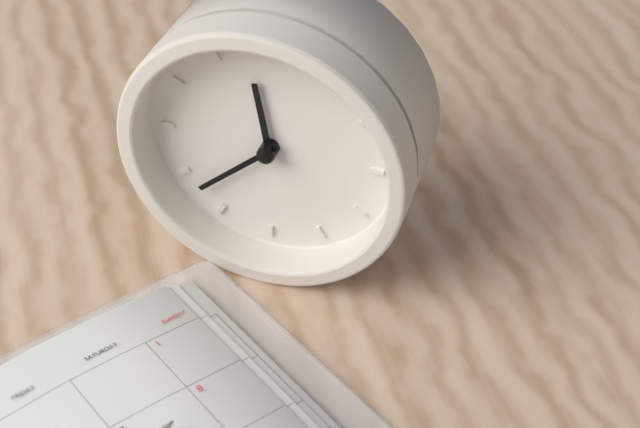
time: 11:38
